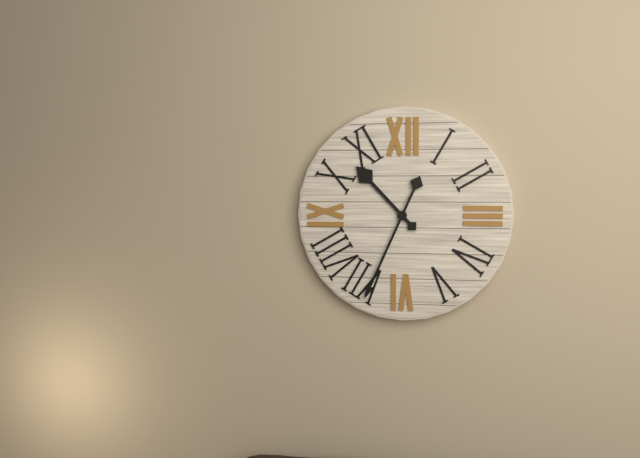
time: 10:34
